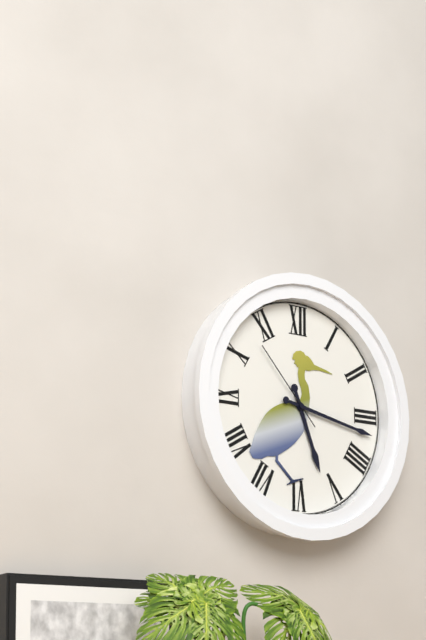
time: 5:17:53
